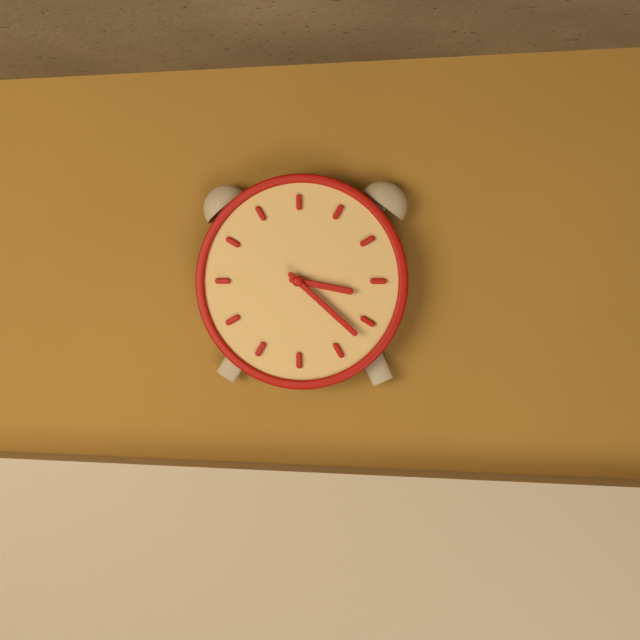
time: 3:22
